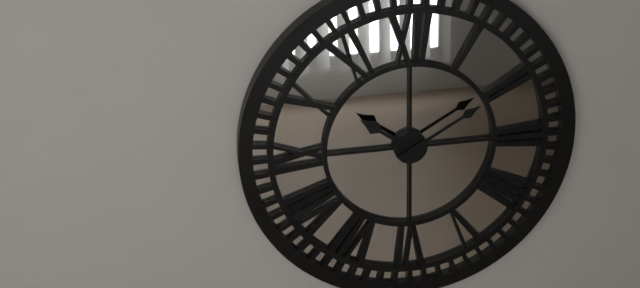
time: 10:10
